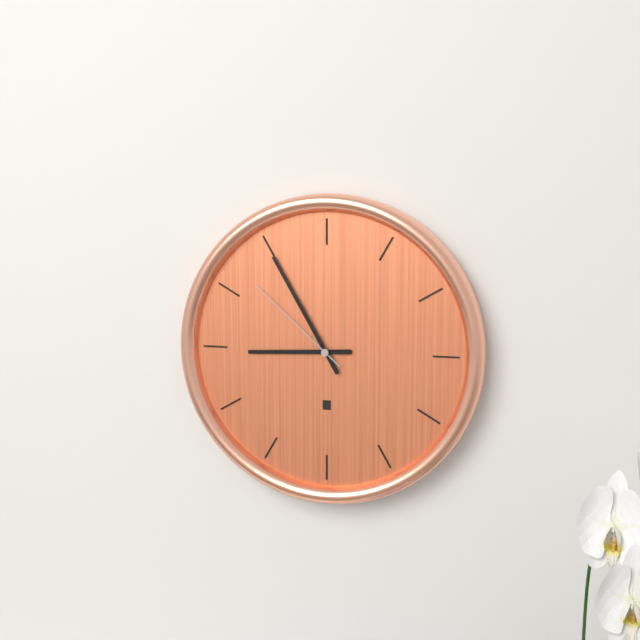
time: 8:55:52
